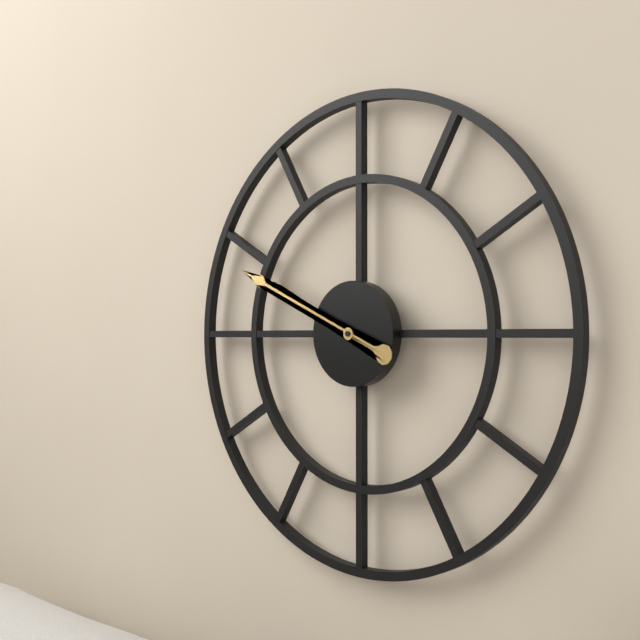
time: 9:49
